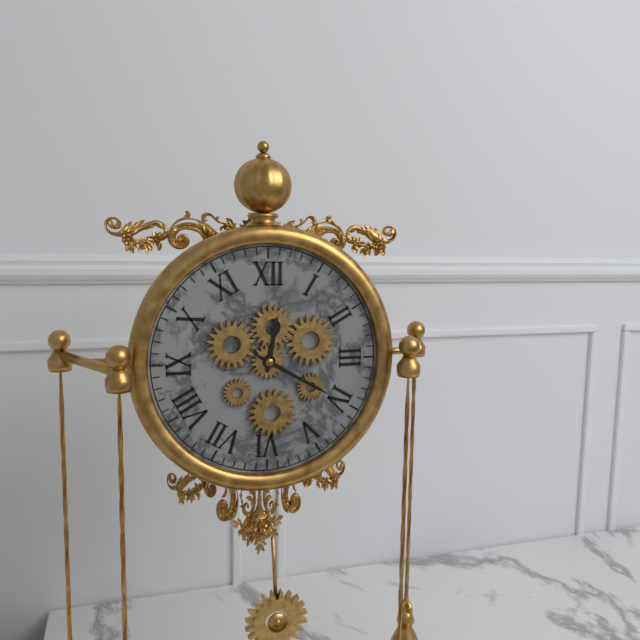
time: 12:20
